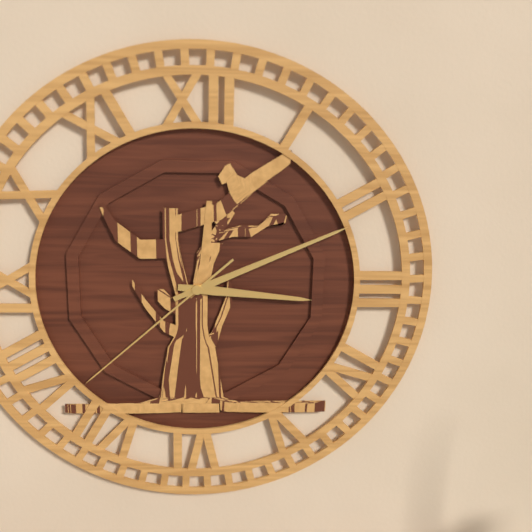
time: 3:11:38
